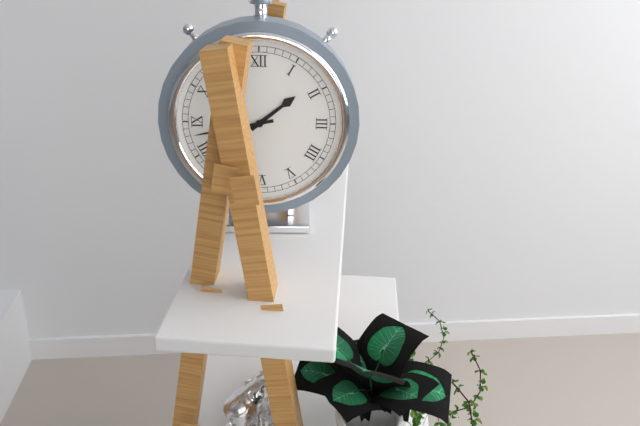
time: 1:43
